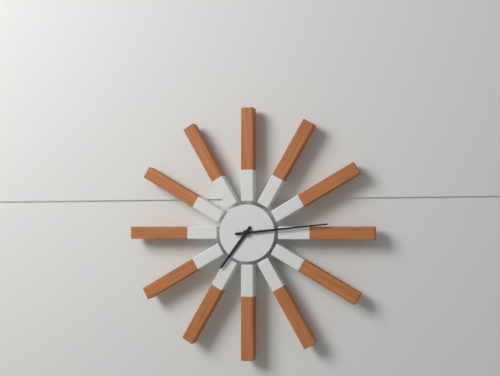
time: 7:14
